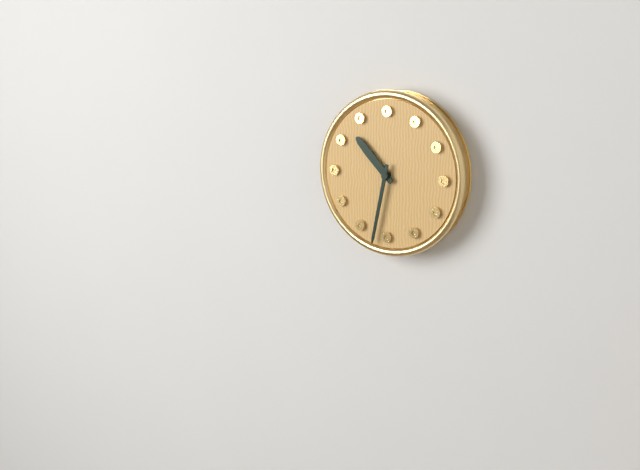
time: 10:32
